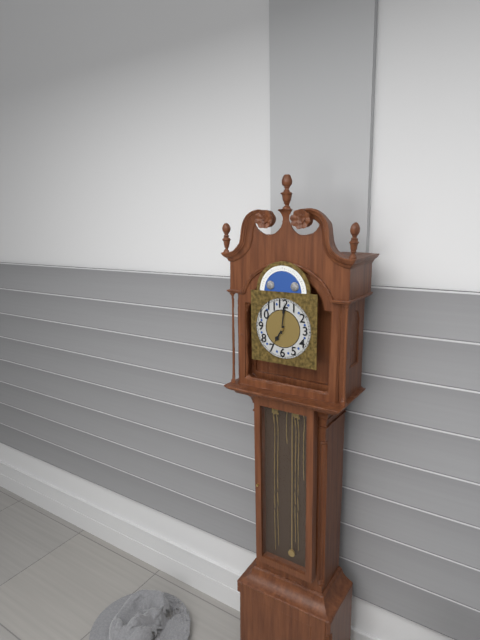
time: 7:01
